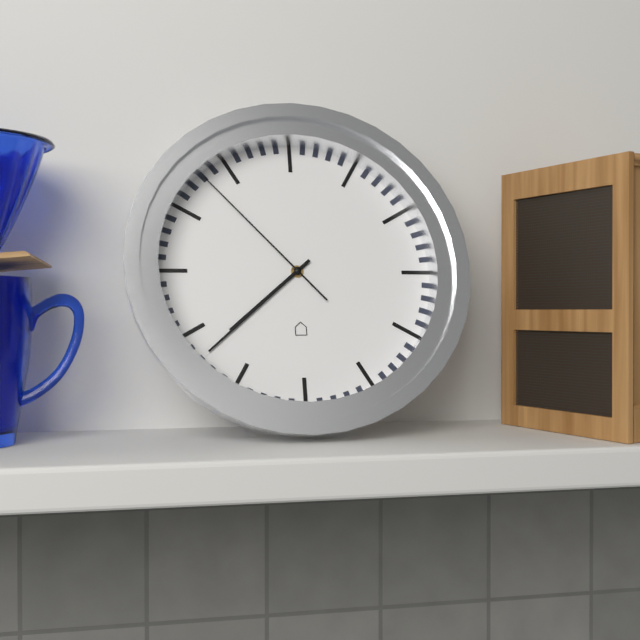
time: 7:38:53
